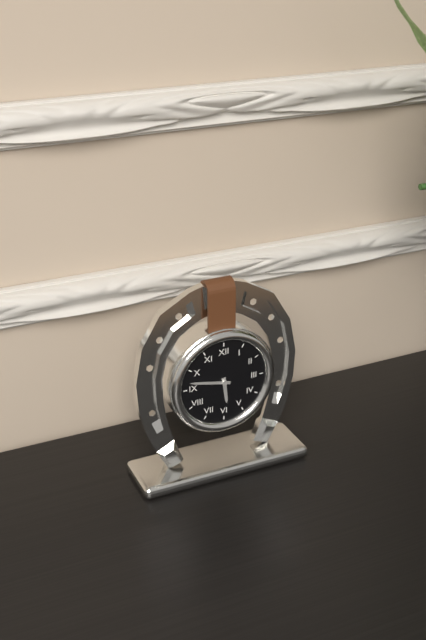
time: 5:47
